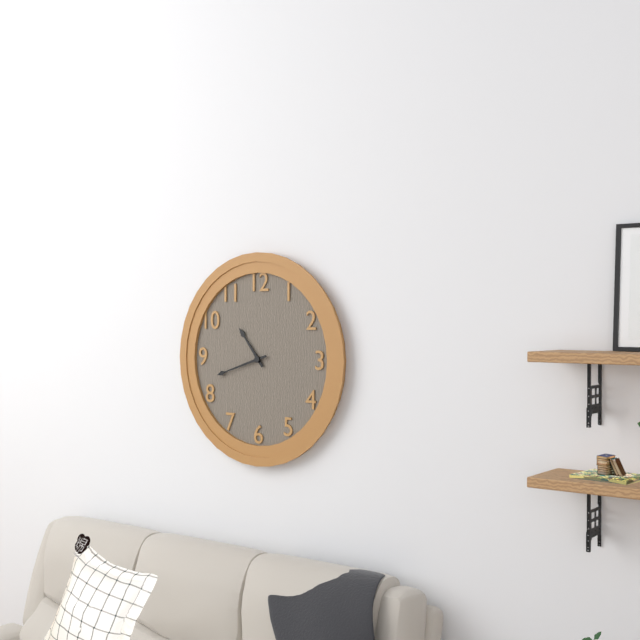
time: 10:42
